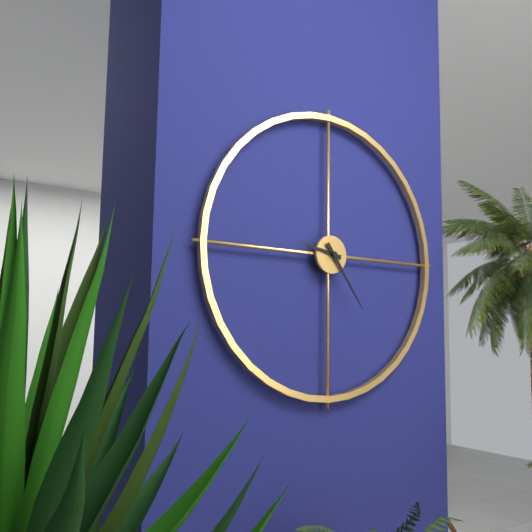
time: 9:24
